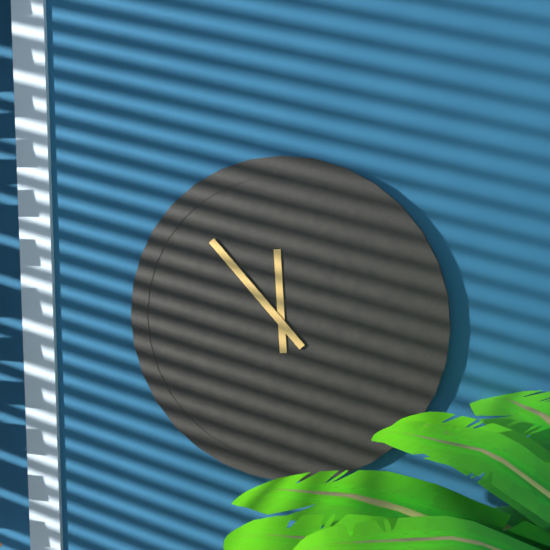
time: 11:53
